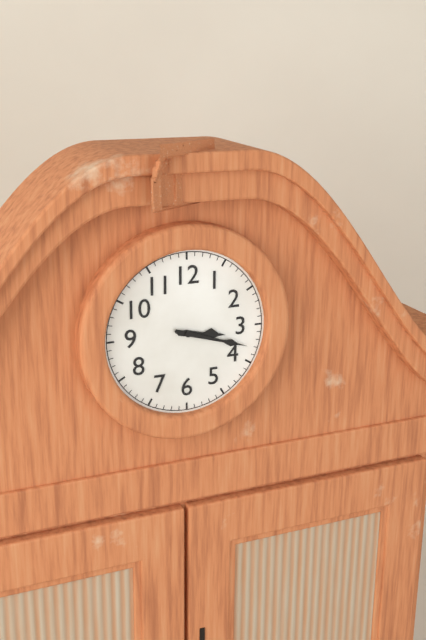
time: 3:18
